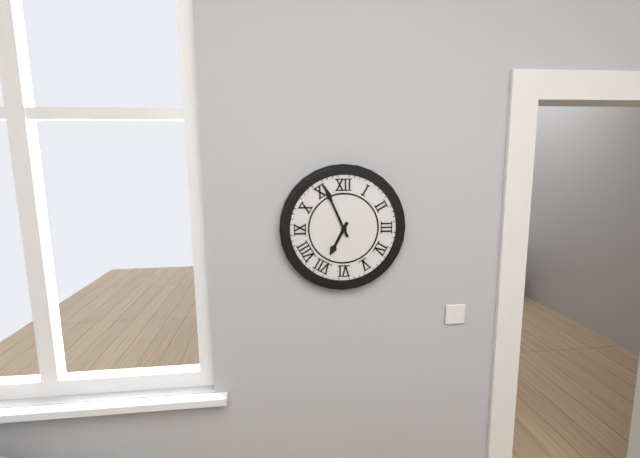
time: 6:56
